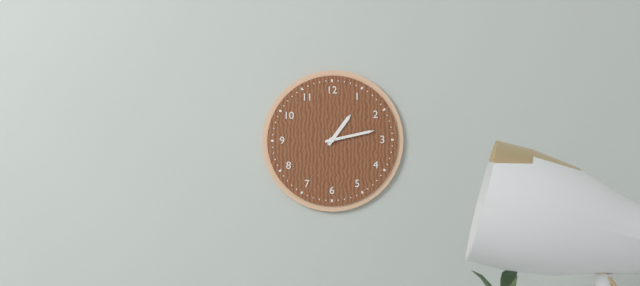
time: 1:13
